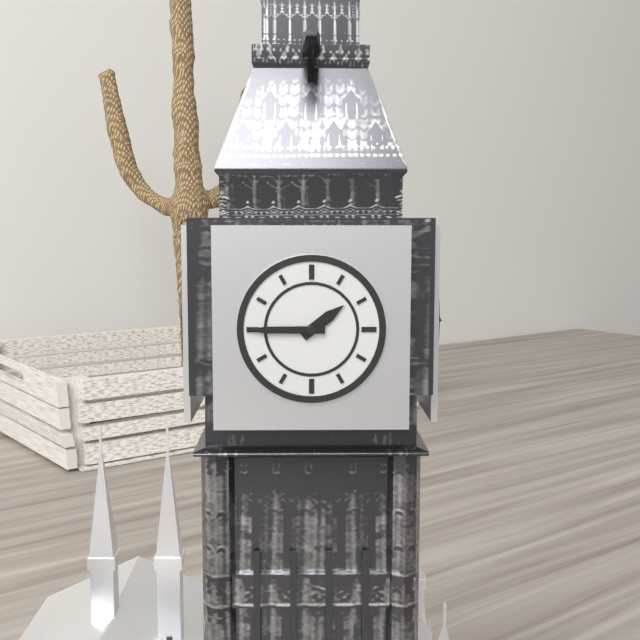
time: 1:45
